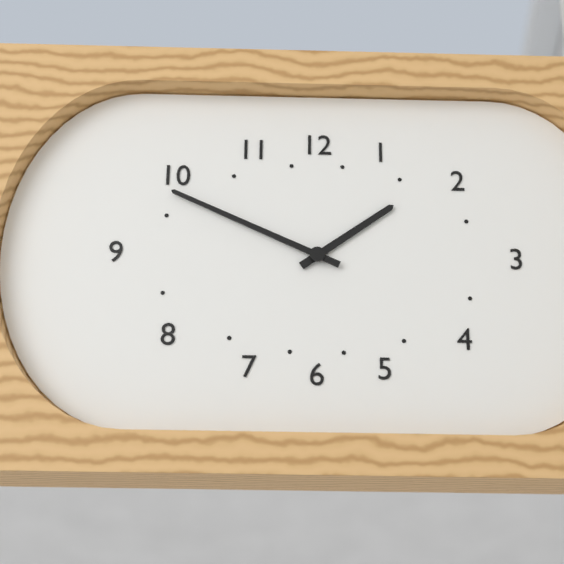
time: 1:49
